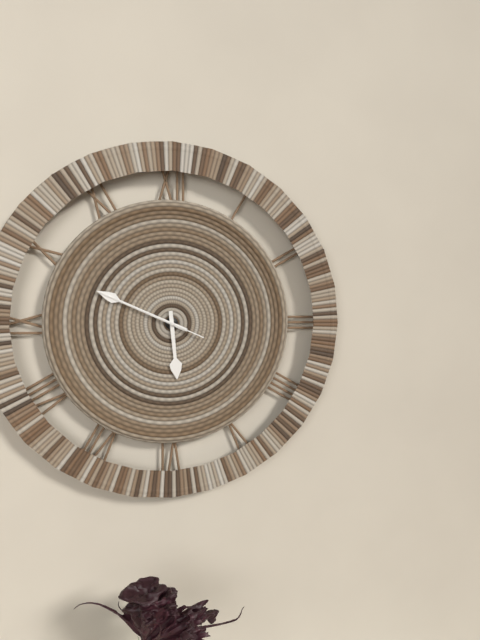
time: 5:49:49
